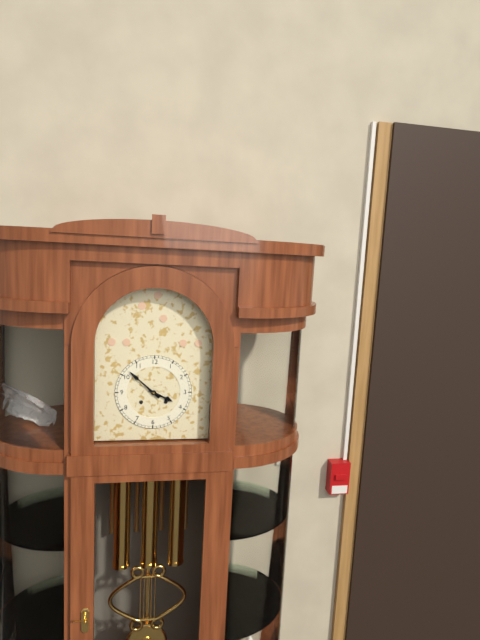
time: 3:52
